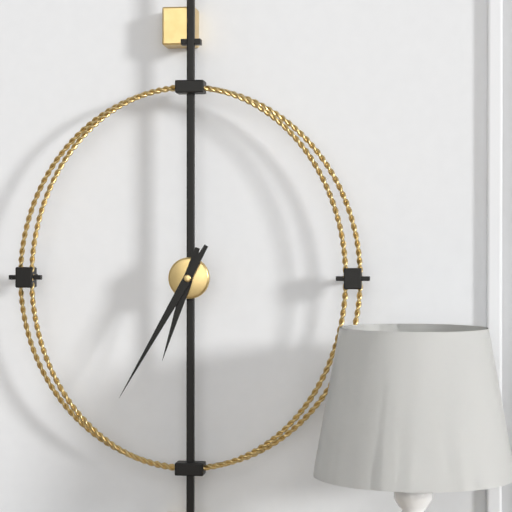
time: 6:35
